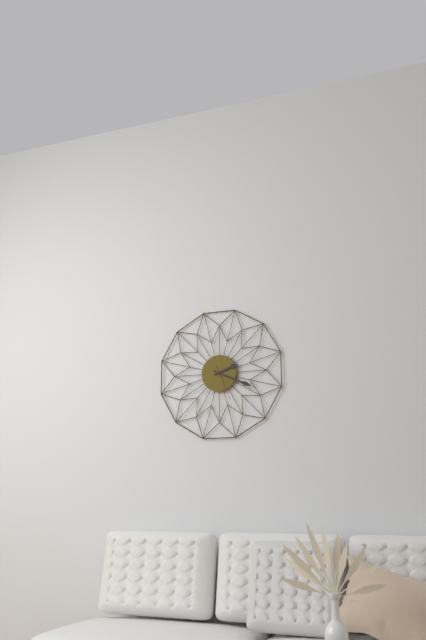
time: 2:19
